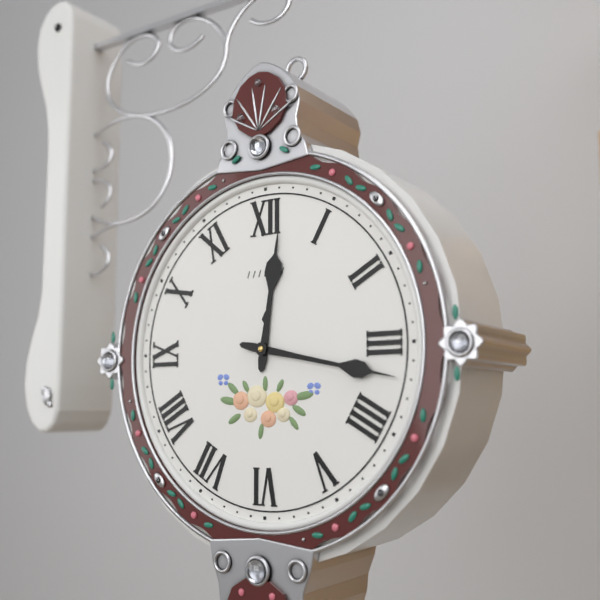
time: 12:17
